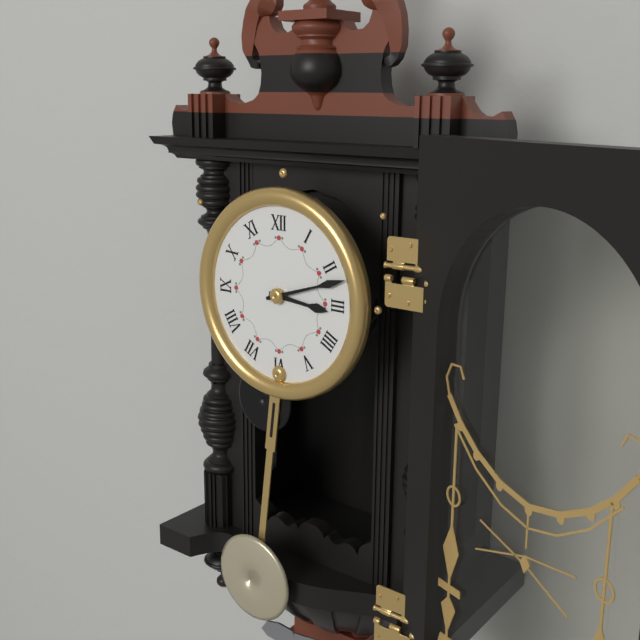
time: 3:12
